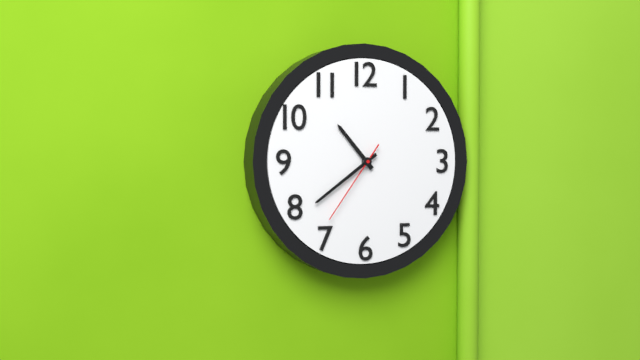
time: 10:39:36
